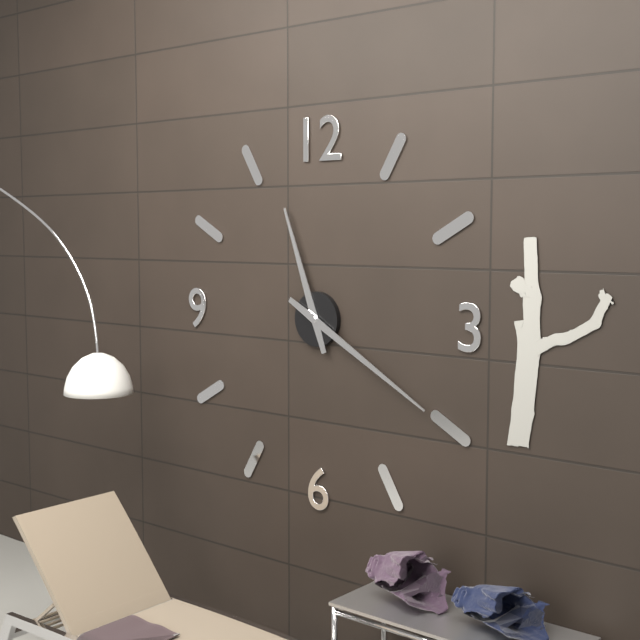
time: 11:20
